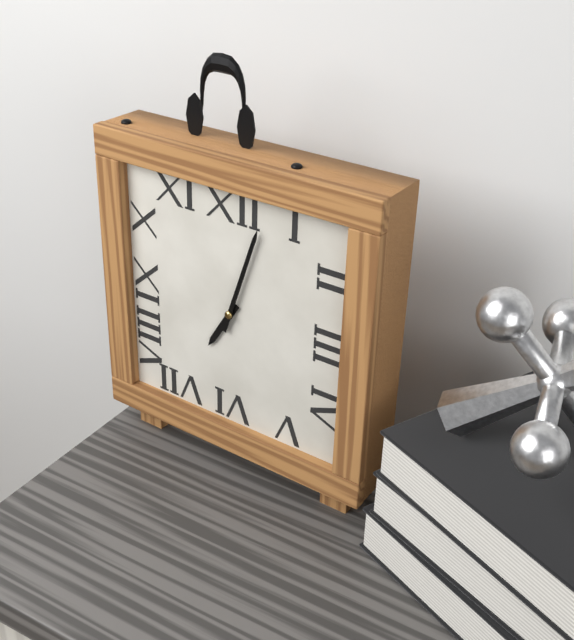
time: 7:03
